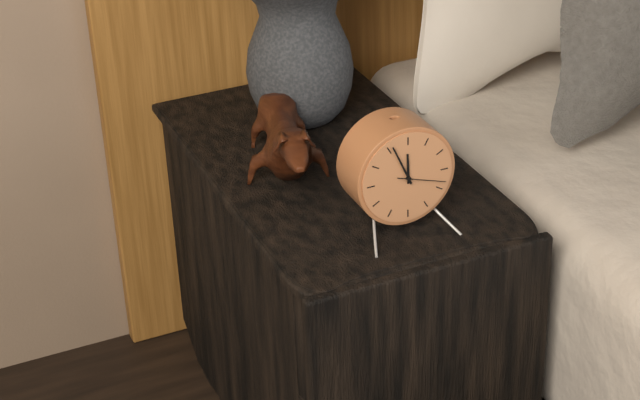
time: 11:56
